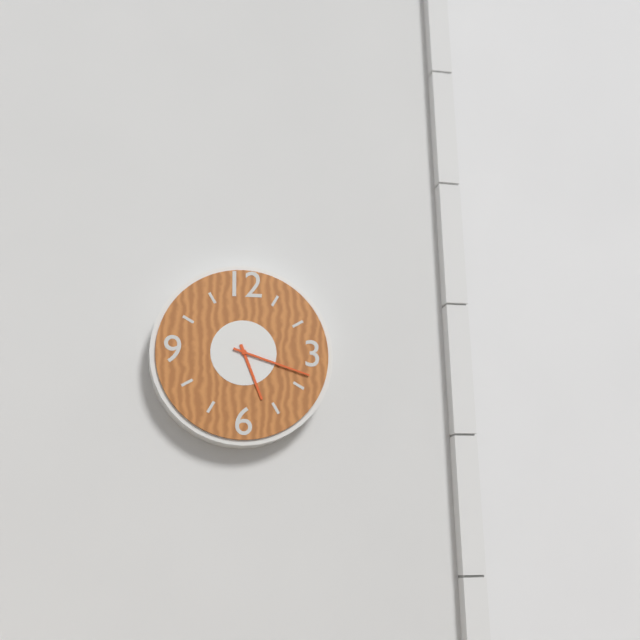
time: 5:18
